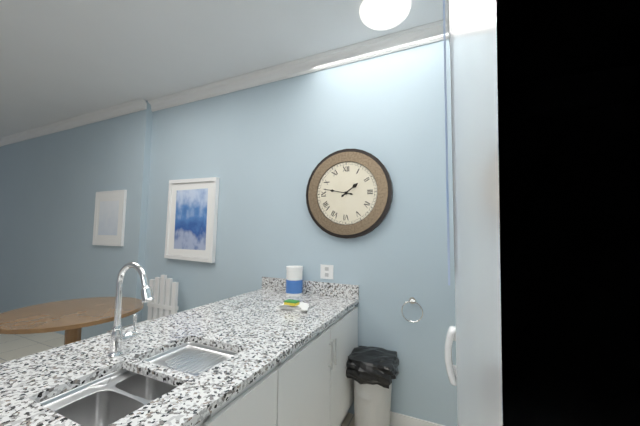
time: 1:47
